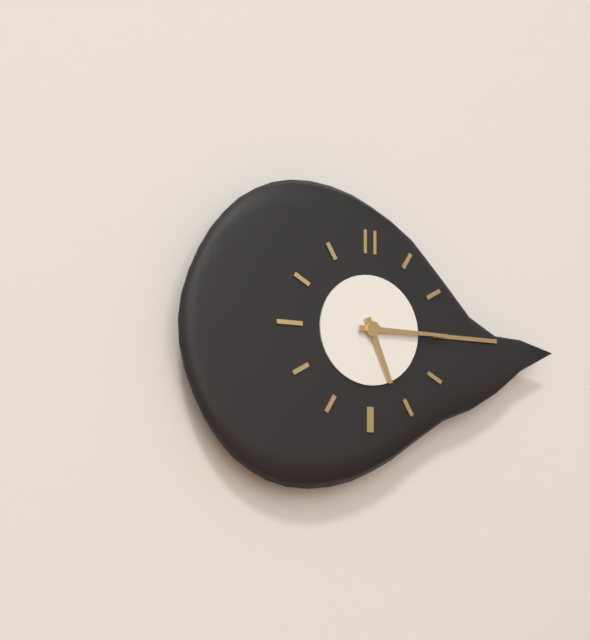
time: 5:15
